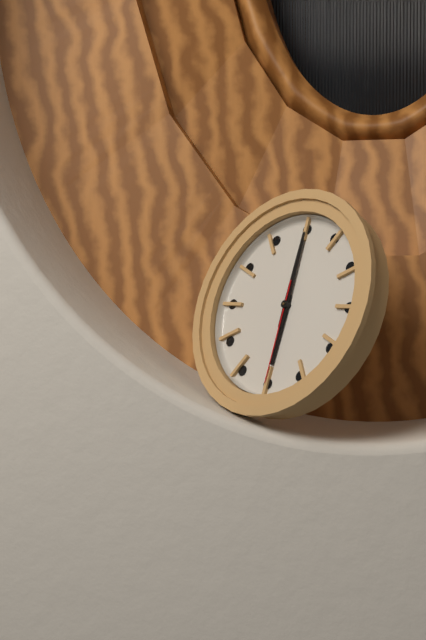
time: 6:00:30
